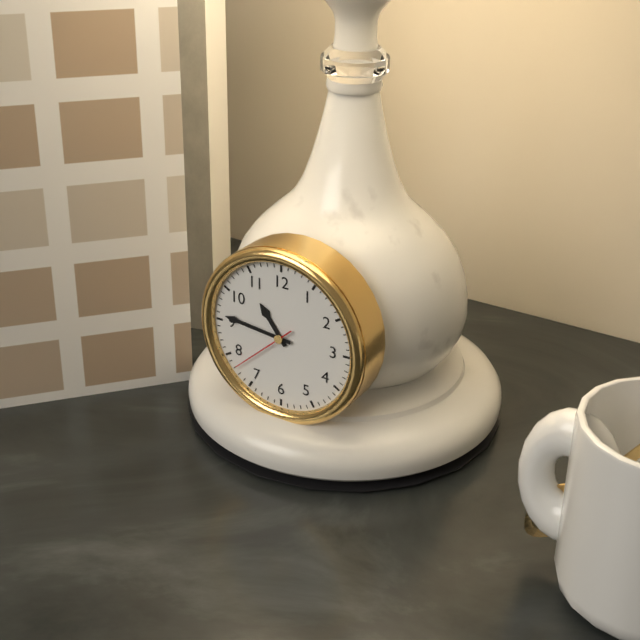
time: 10:46:38
